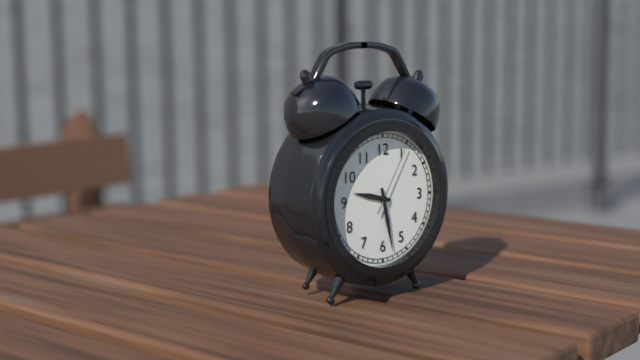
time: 9:28:05
